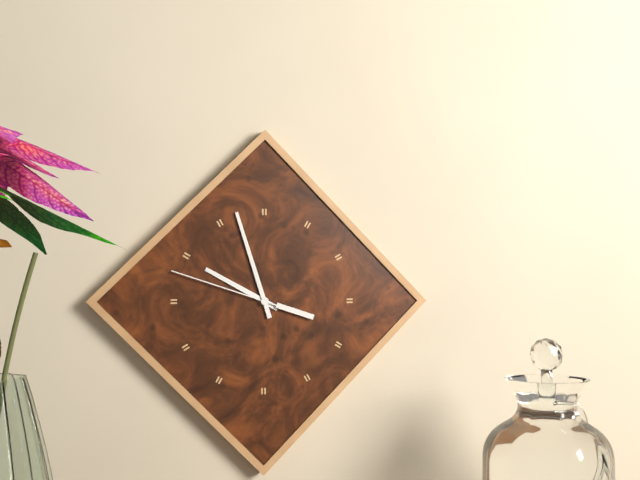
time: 9:57:48
